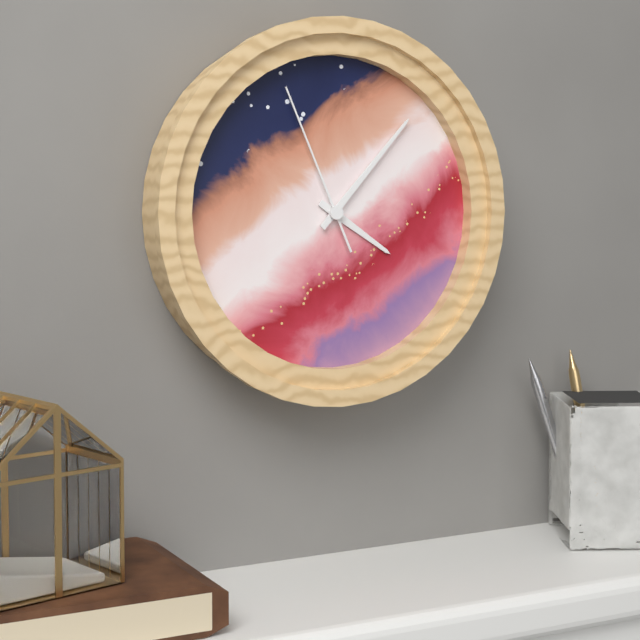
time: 4:07:56
